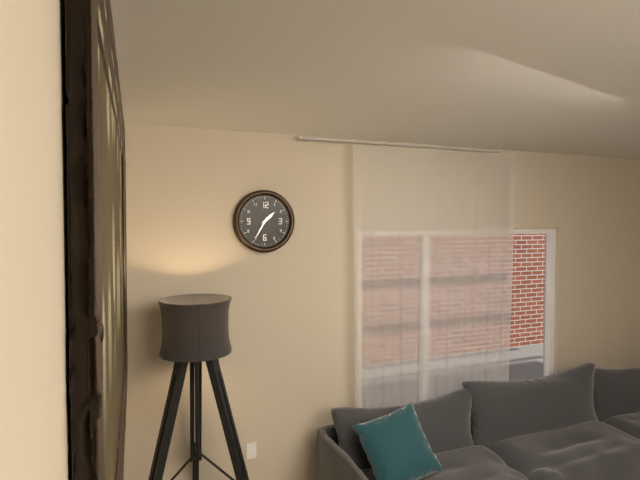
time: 1:35
